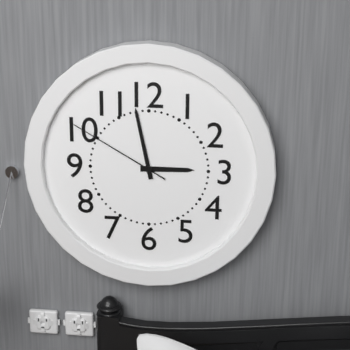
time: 2:58:50
